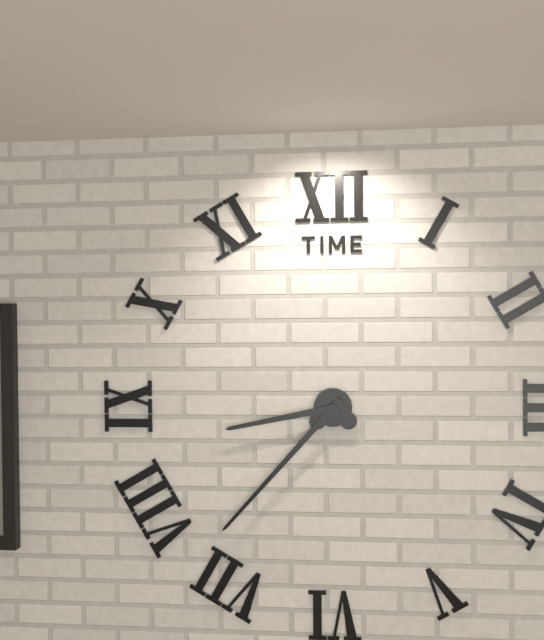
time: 8:37
